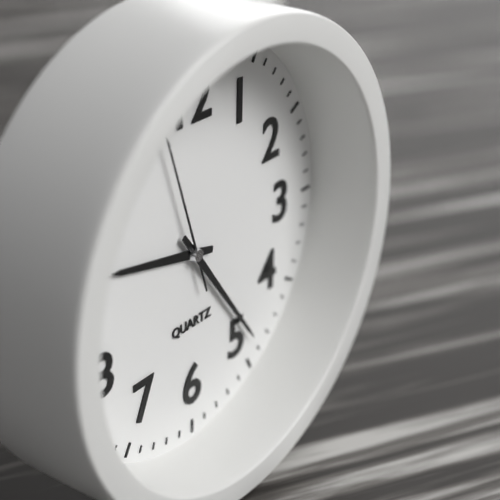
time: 9:24:57
